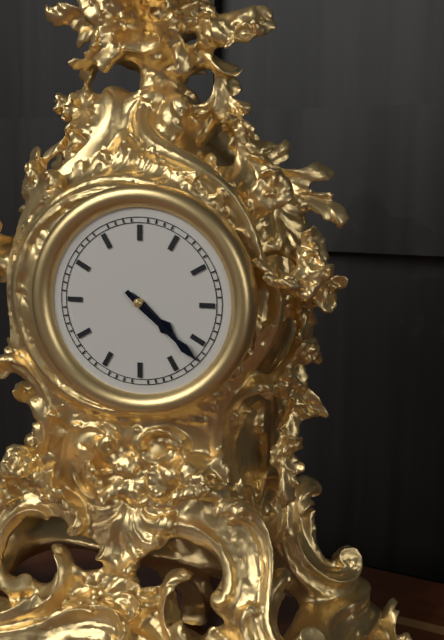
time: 4:22
